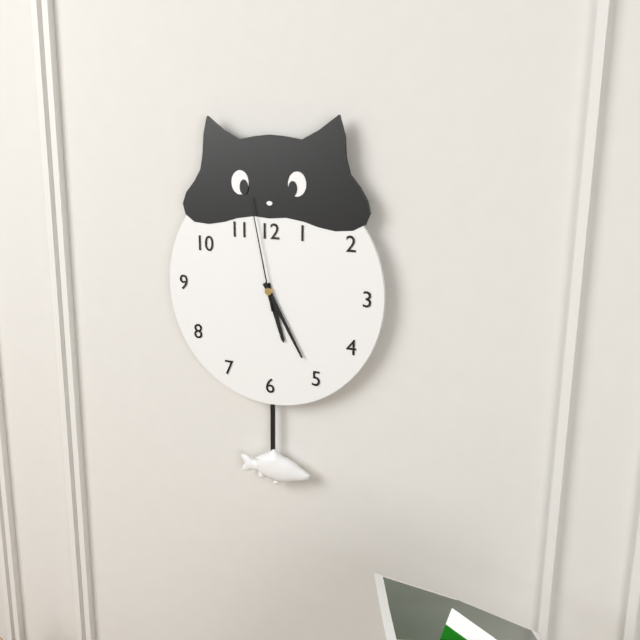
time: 5:25:58
